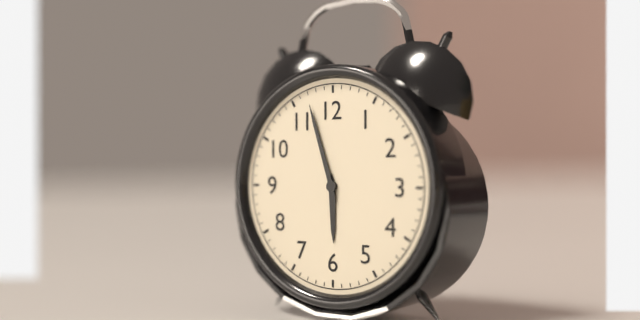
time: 5:57
